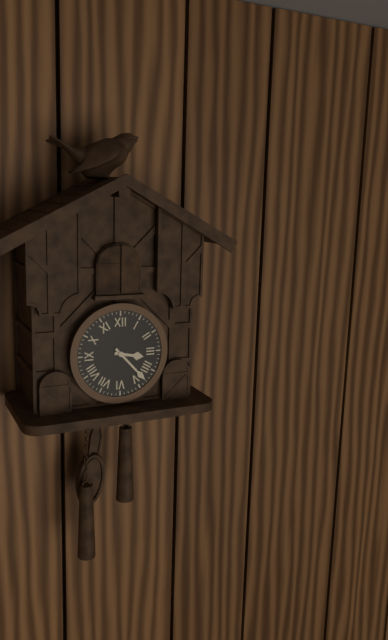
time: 3:23
